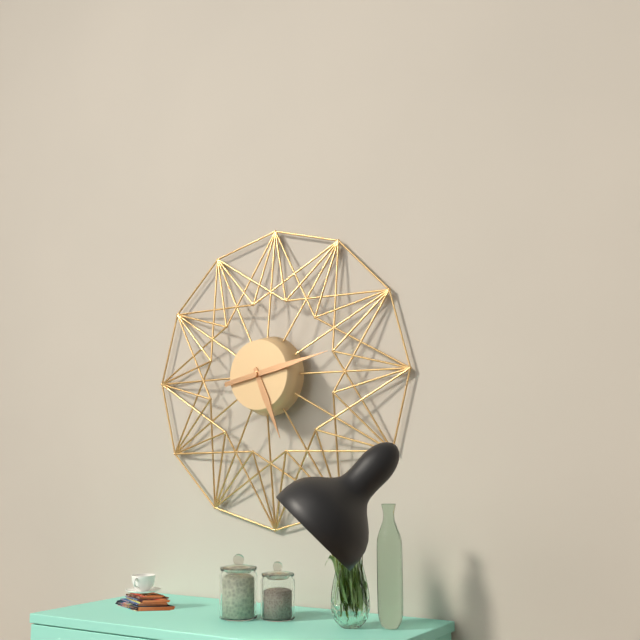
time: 5:13
